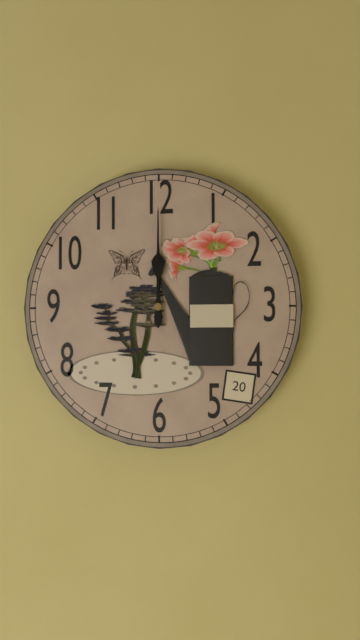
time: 12:00
